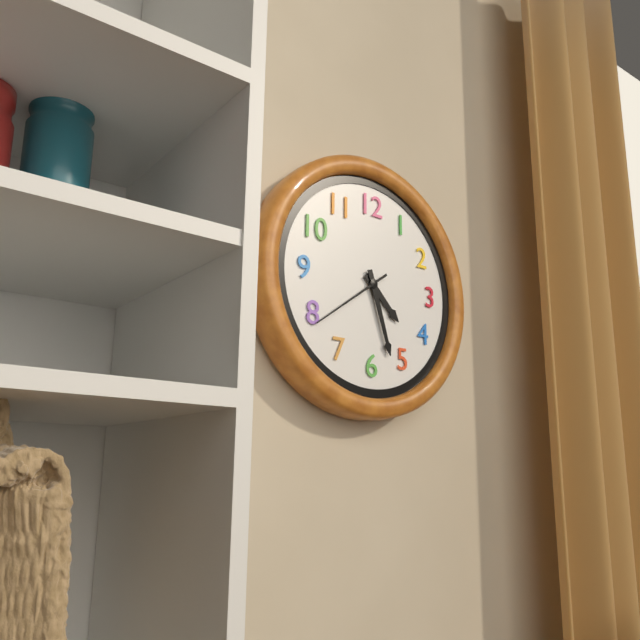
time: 4:27:39
